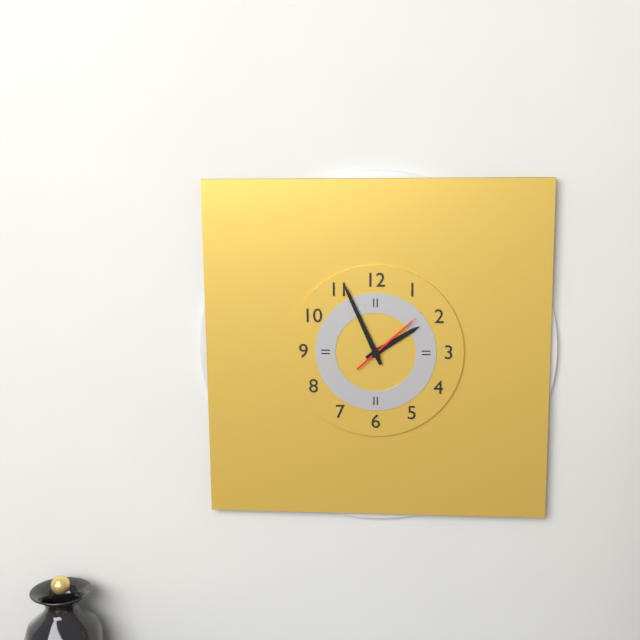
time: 1:56:08
